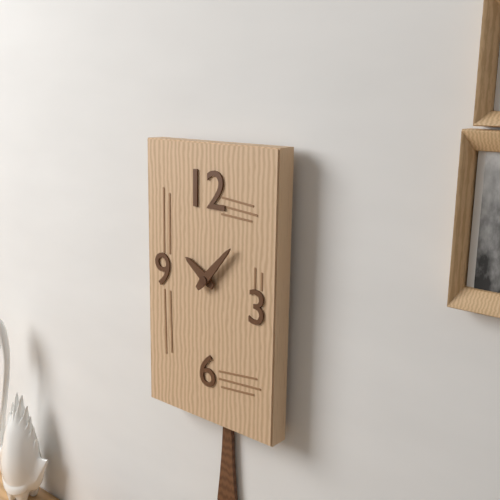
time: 10:07
